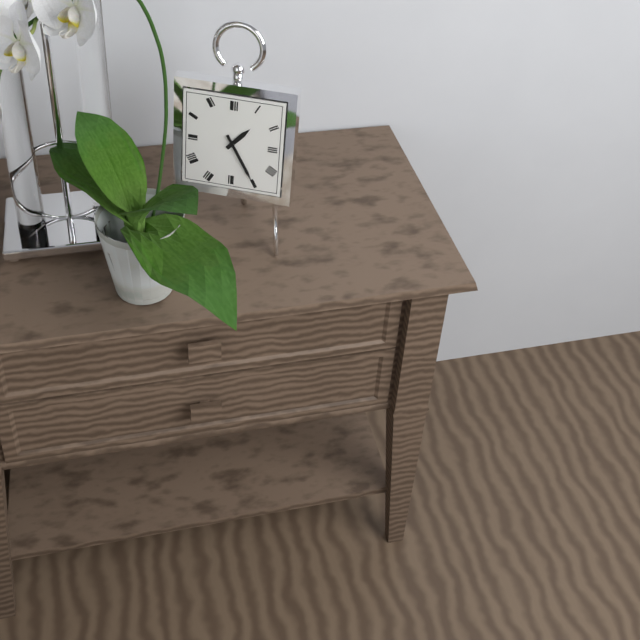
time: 1:25
